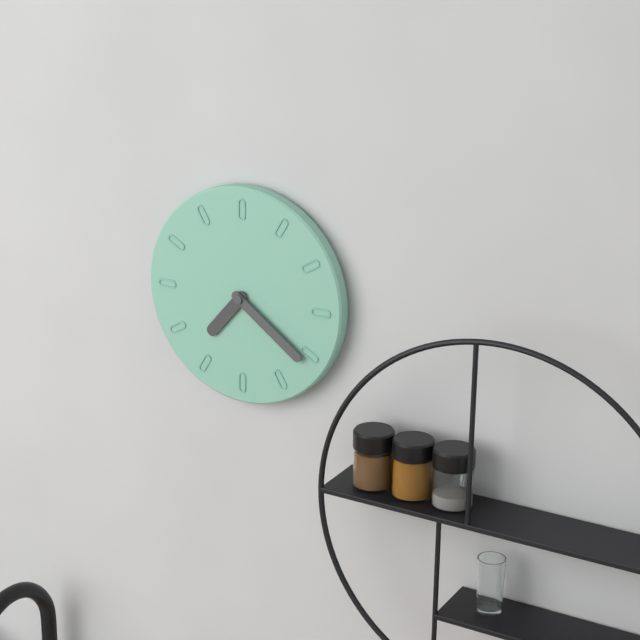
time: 7:21
